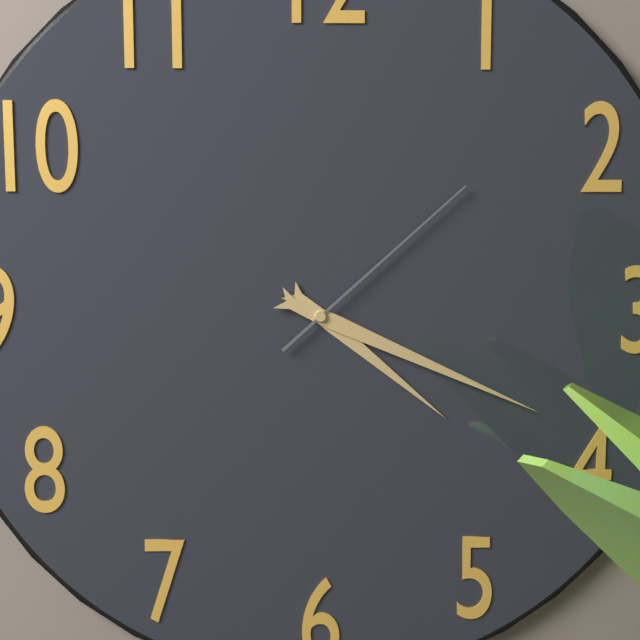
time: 4:19:08
